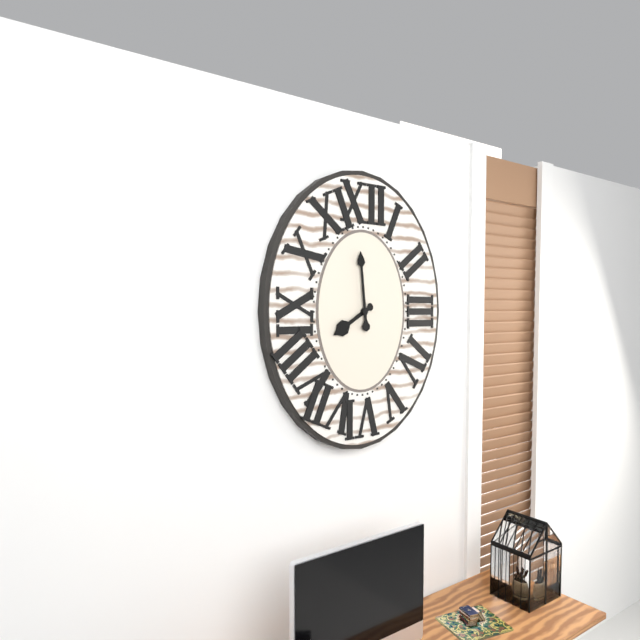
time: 7:59
